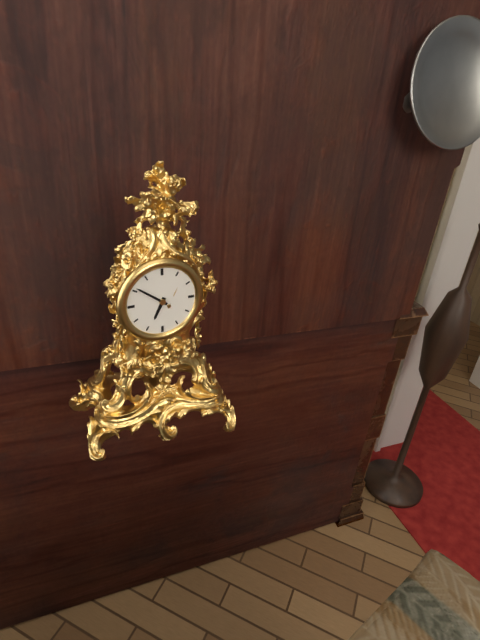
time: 6:51
